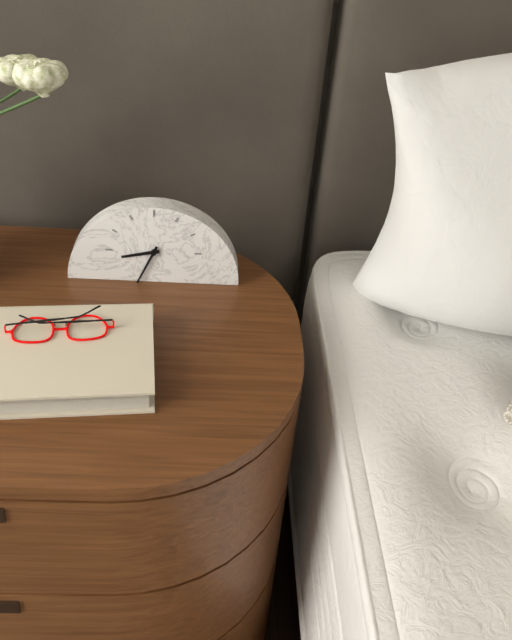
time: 8:34
